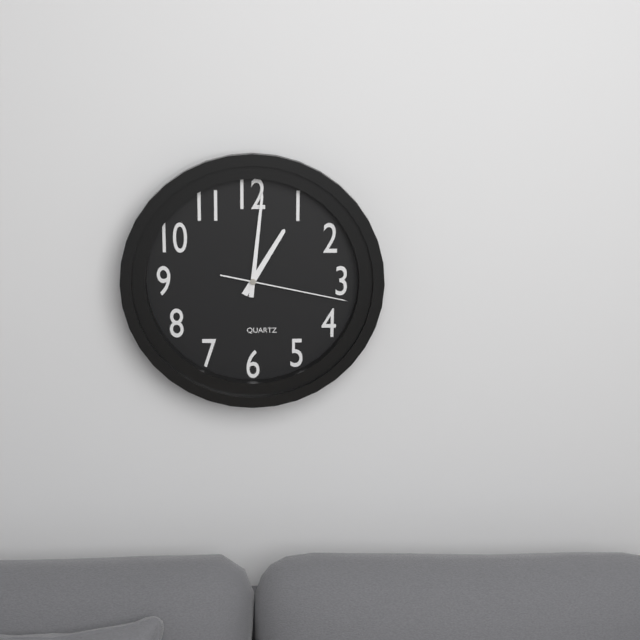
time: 1:01:17
